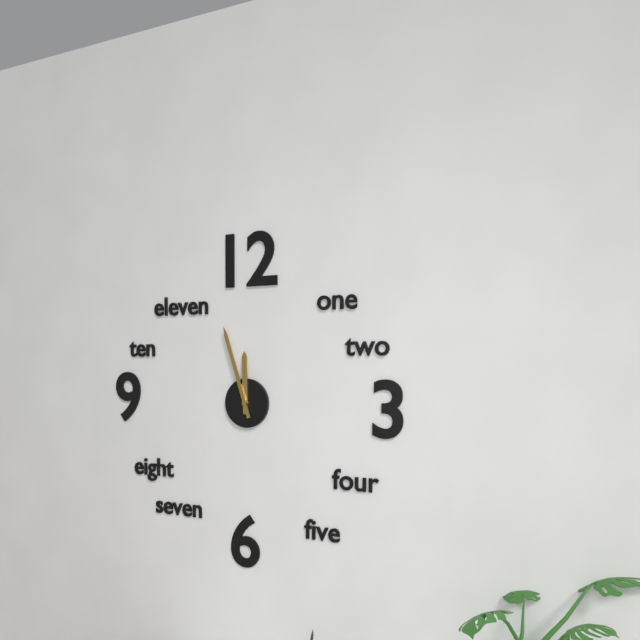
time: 11:57
